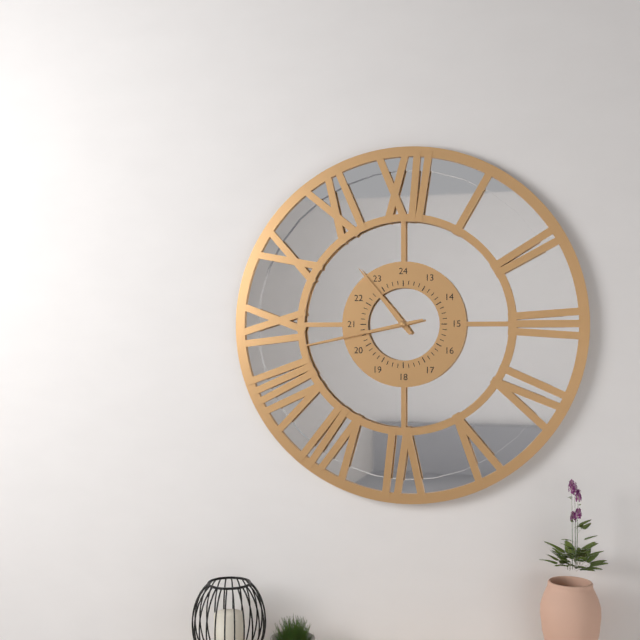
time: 10:43
